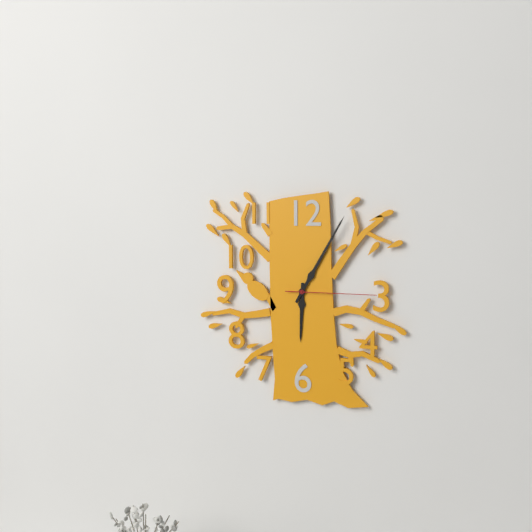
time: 6:05:15
